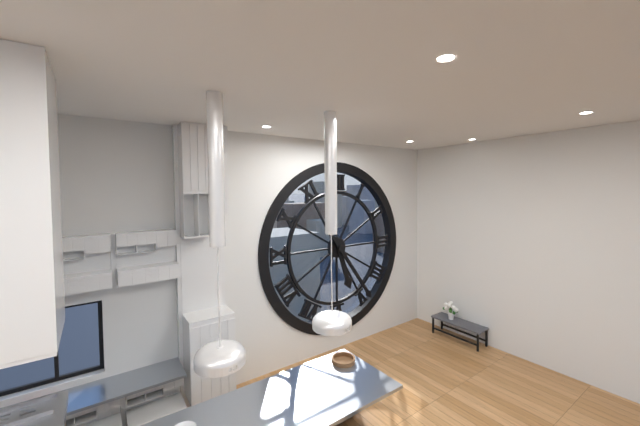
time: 5:24
